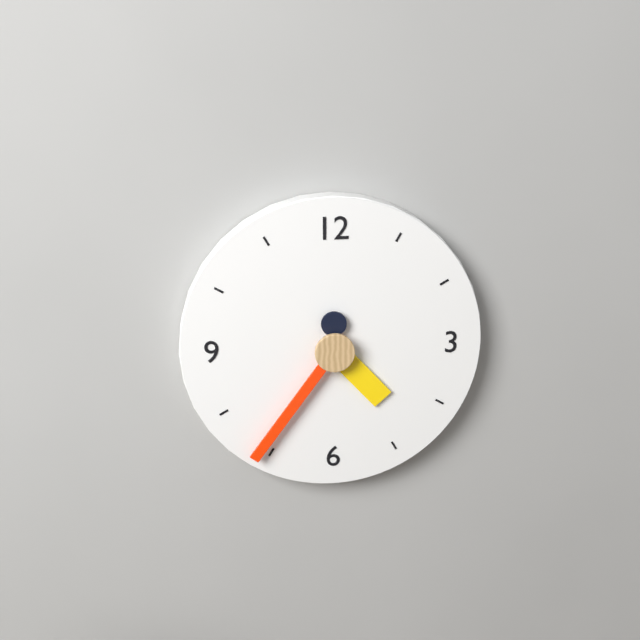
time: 4:36
